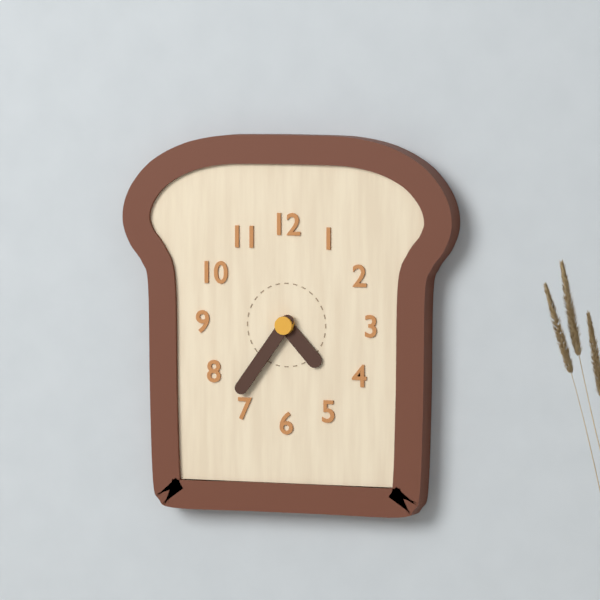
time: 4:36
